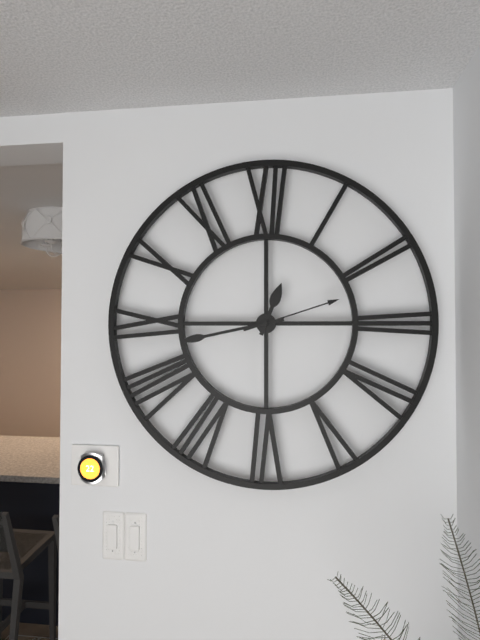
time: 12:43:12
